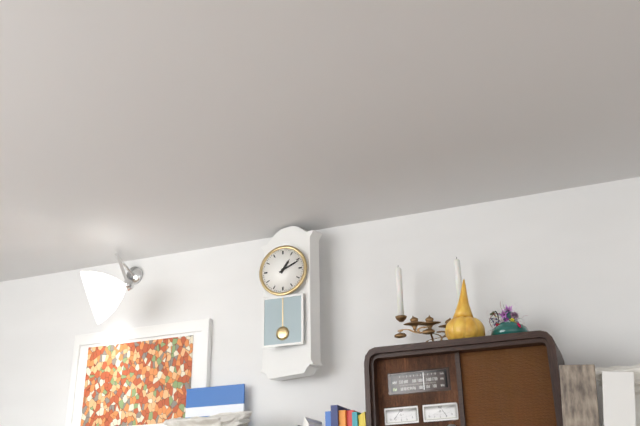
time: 1:11
